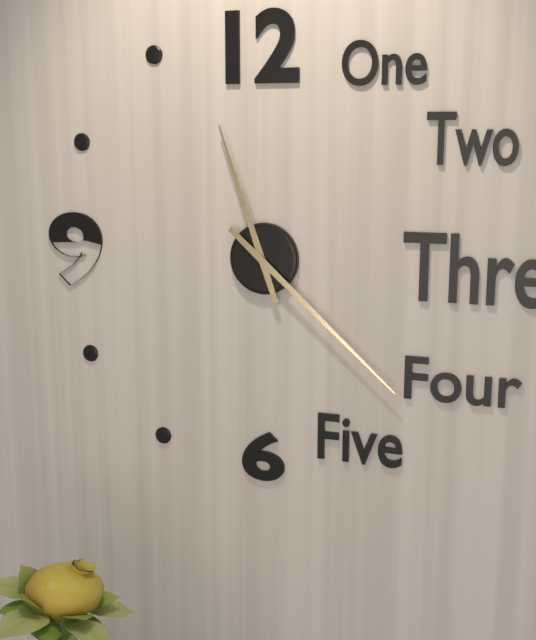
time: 11:22
